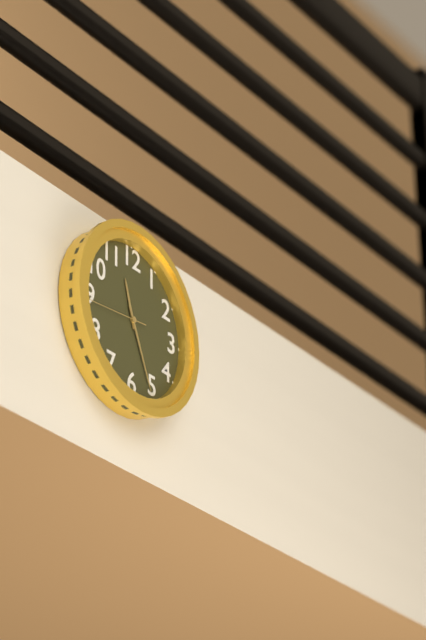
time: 11:26:44
